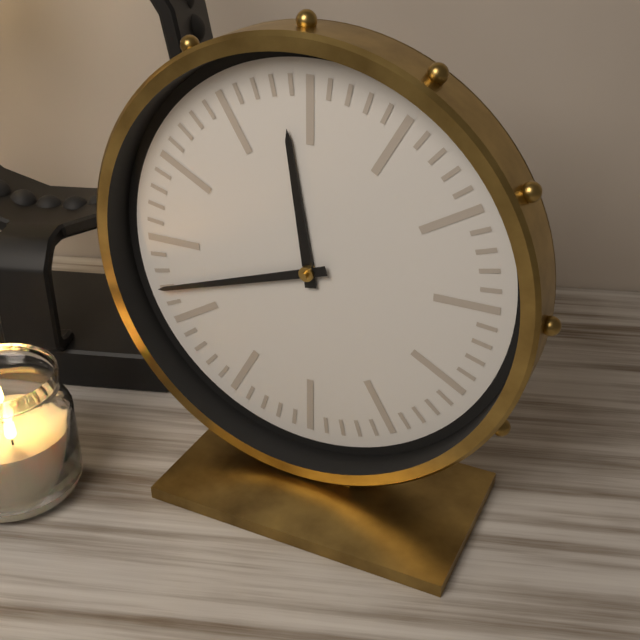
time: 11:42
